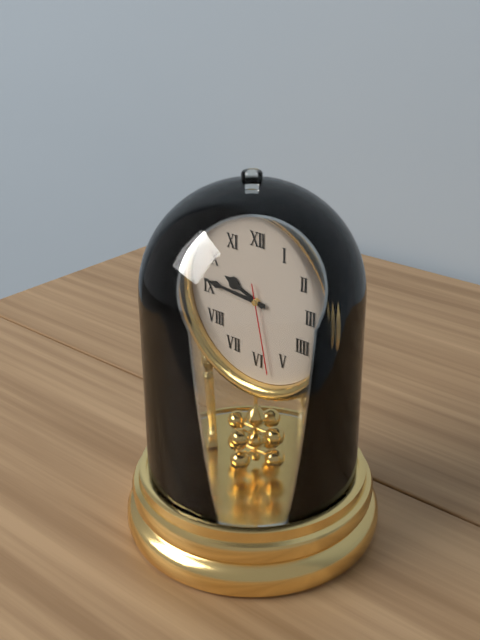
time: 9:46:28
